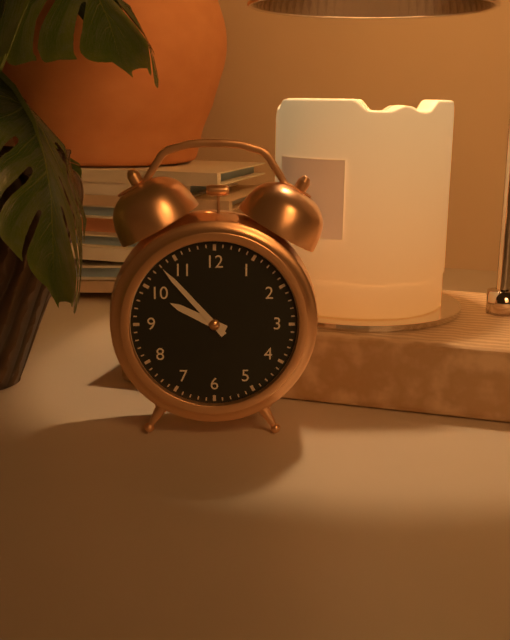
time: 9:53
